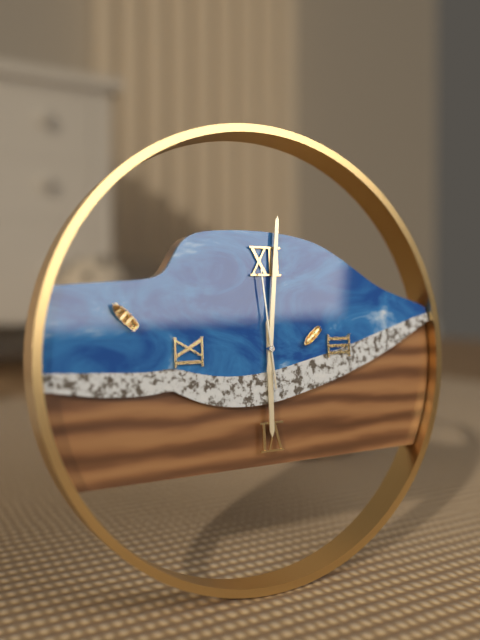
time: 6:01:59
